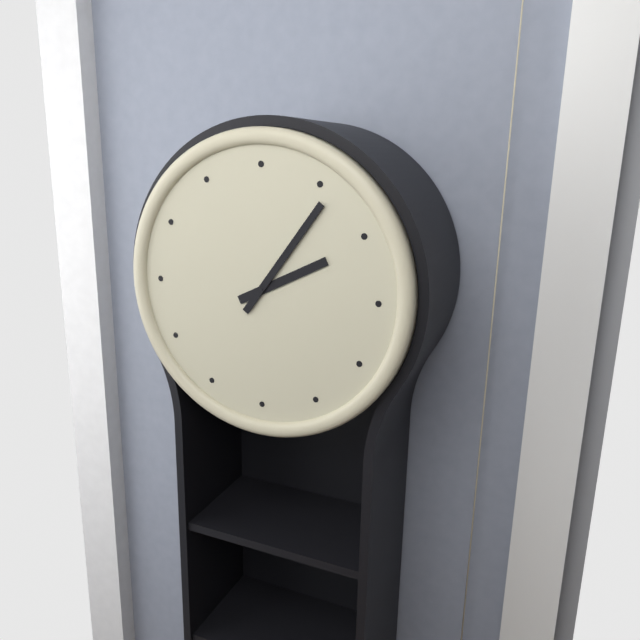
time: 2:06
